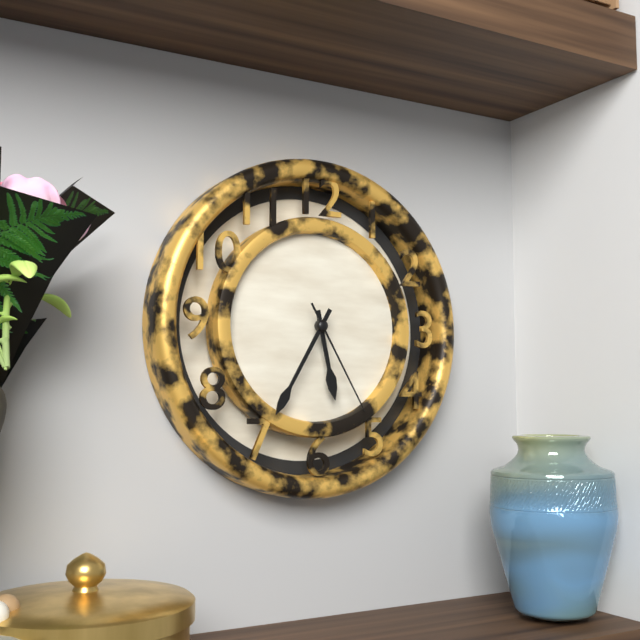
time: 5:35:25
